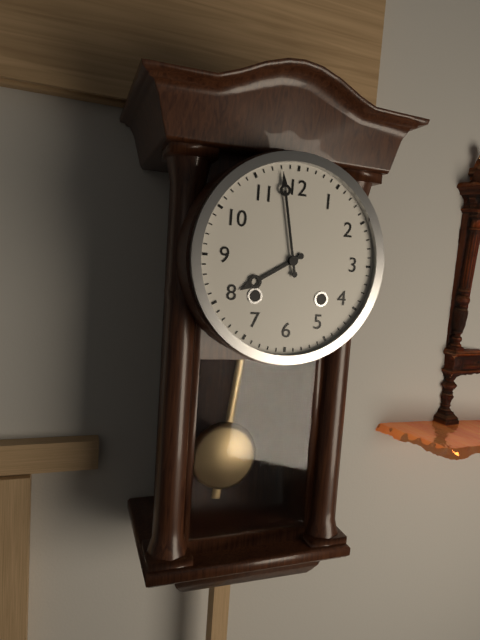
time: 7:58
